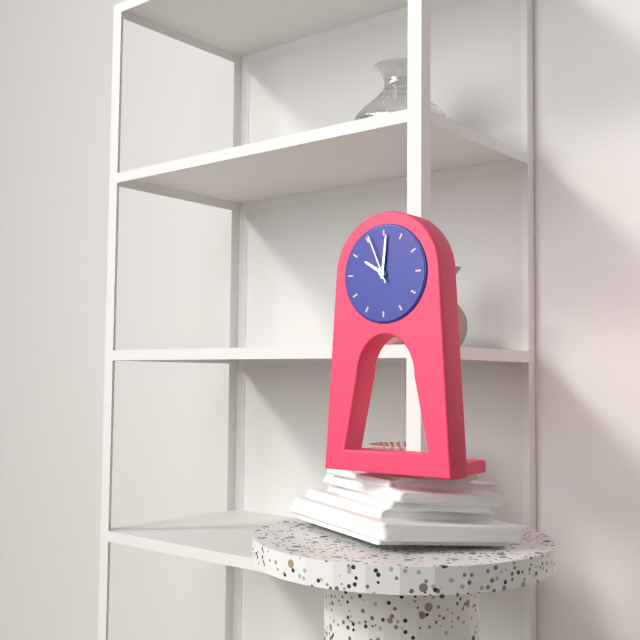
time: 10:01:56
